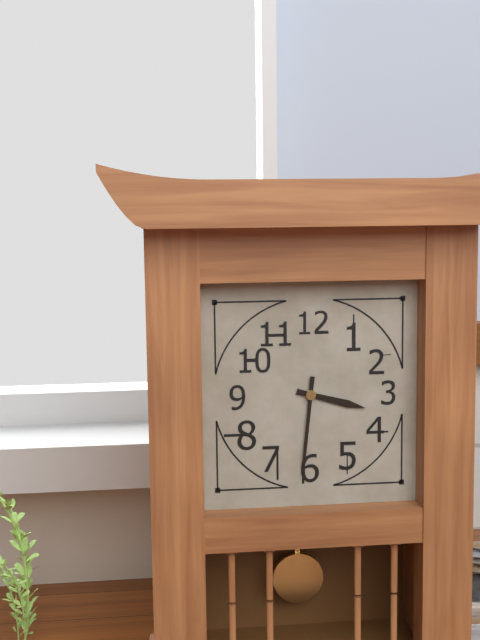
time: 3:31
